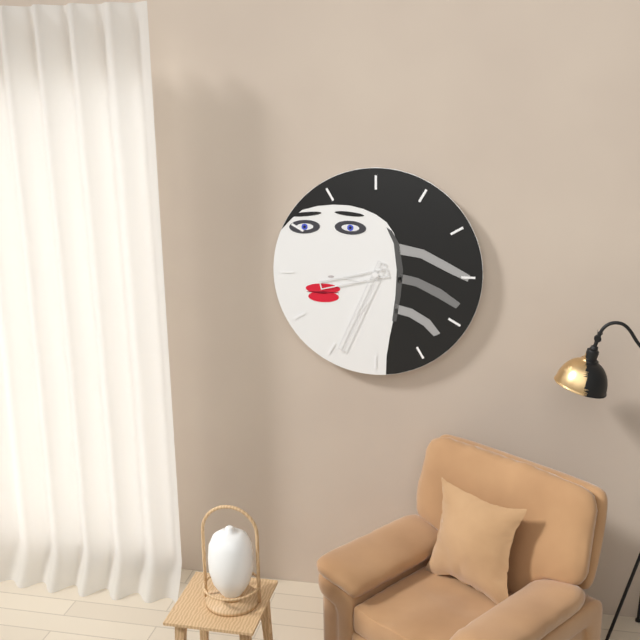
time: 8:34
